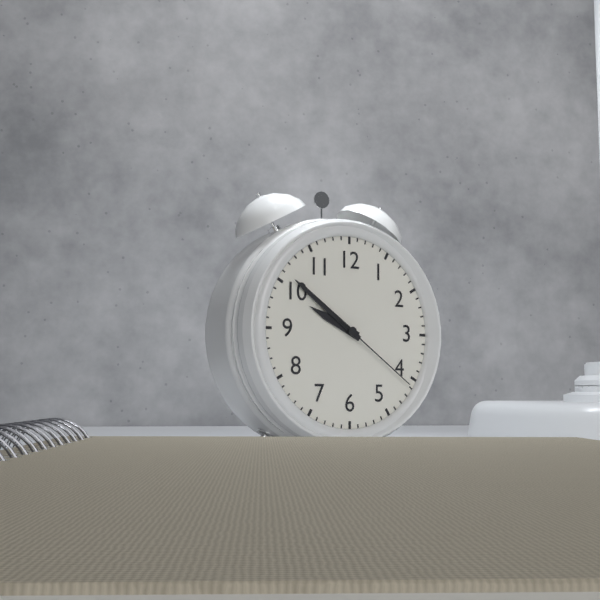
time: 9:51:21
